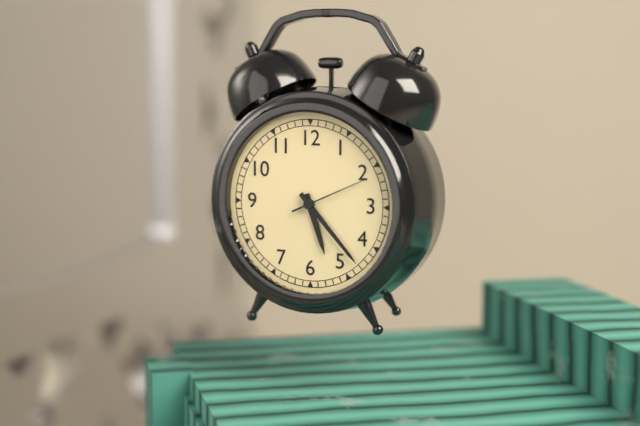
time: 5:23:11
